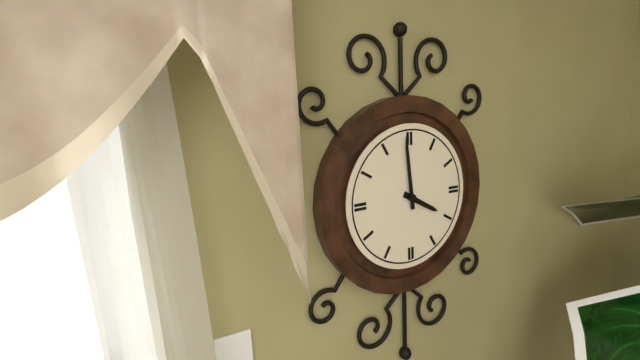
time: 3:59
